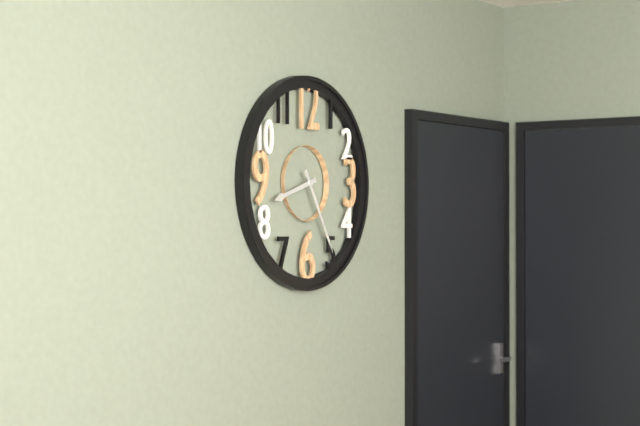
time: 8:25
